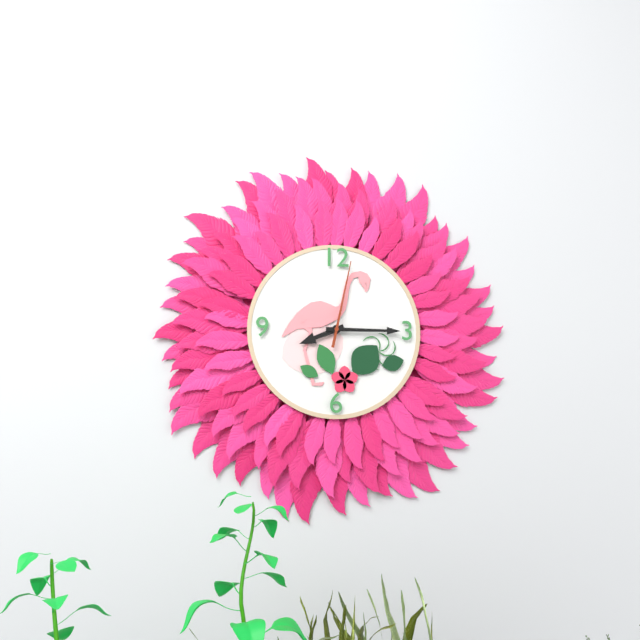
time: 8:15:02
